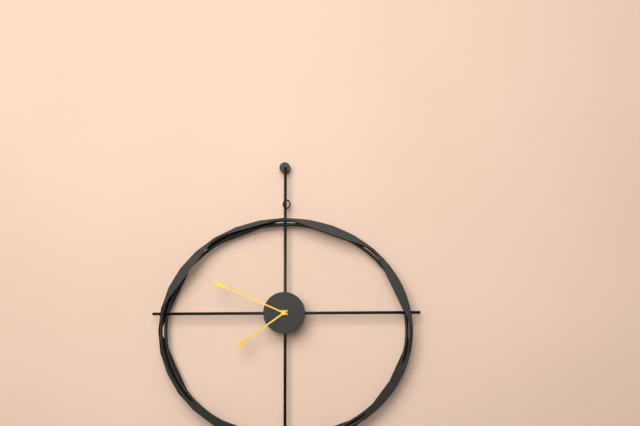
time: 7:49
